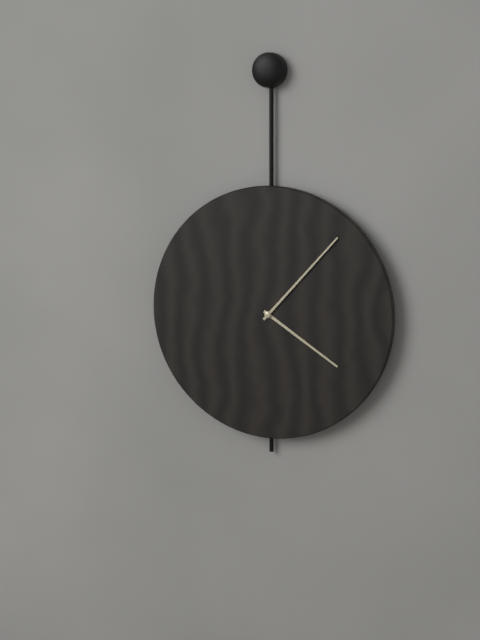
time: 4:07
